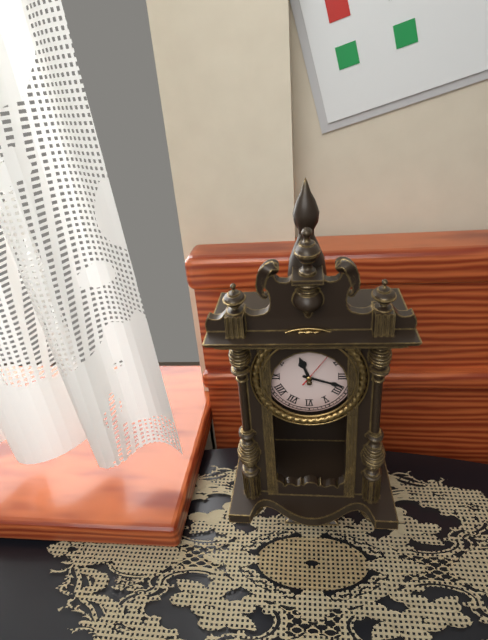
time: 11:18
